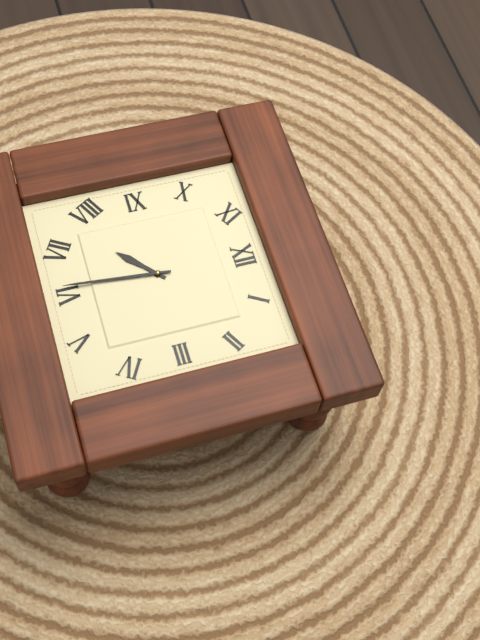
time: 7:31
